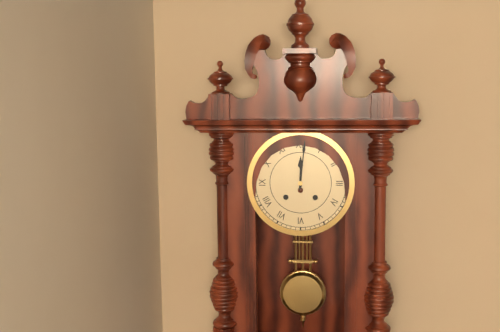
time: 12:01
